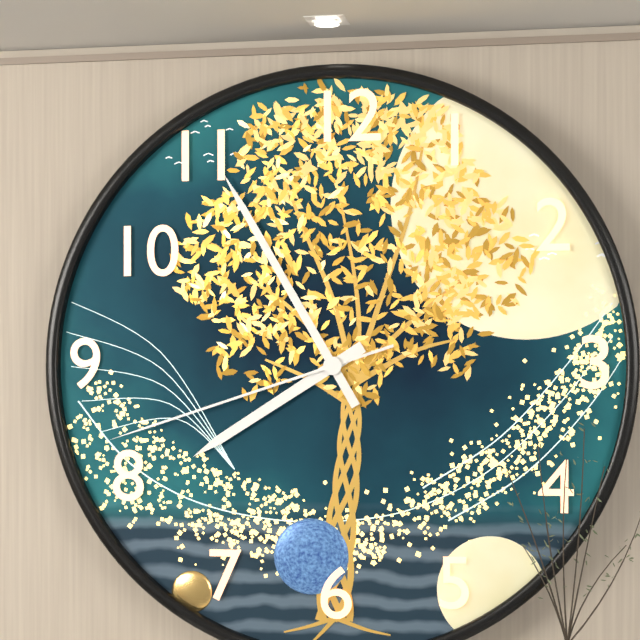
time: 7:55:42
